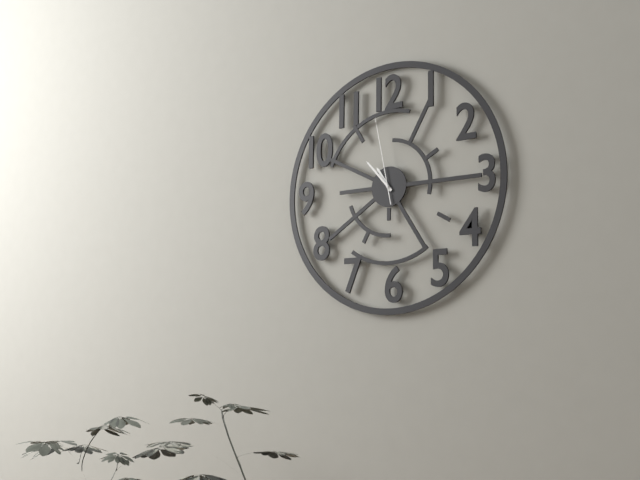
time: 10:53:58
